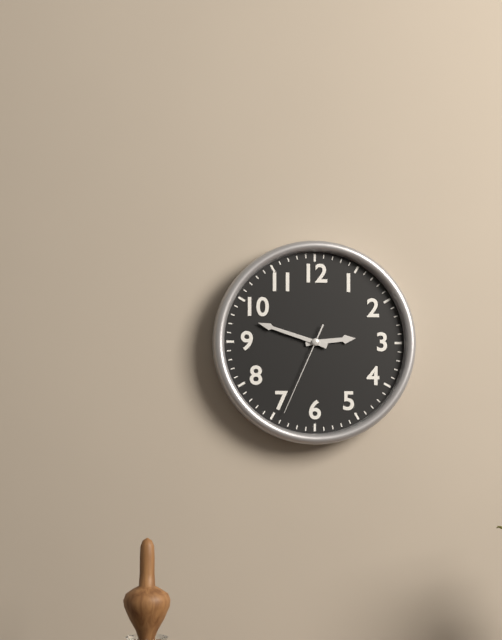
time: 2:48:34
